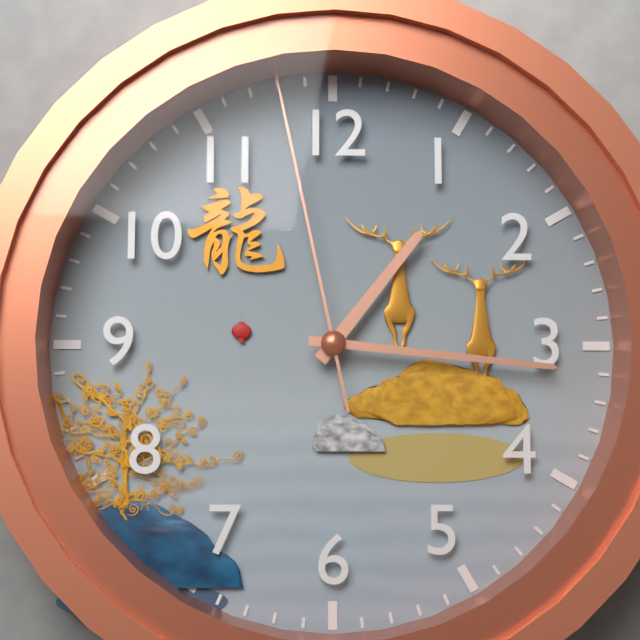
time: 1:16:58
